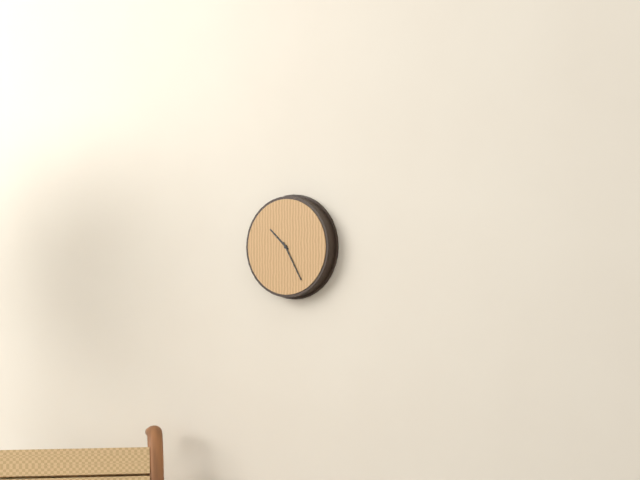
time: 10:25
